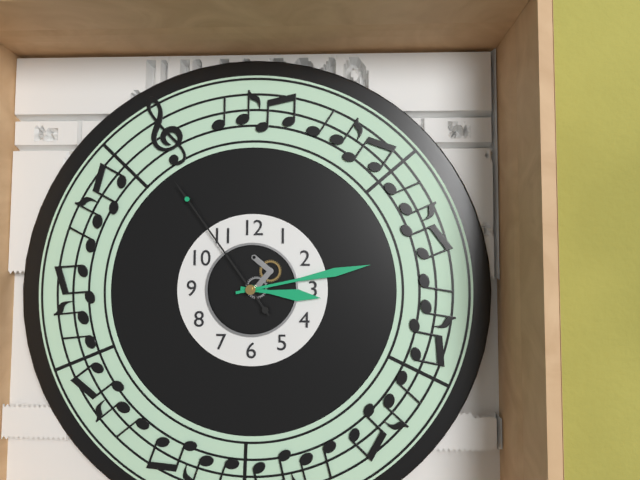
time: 3:13:54
